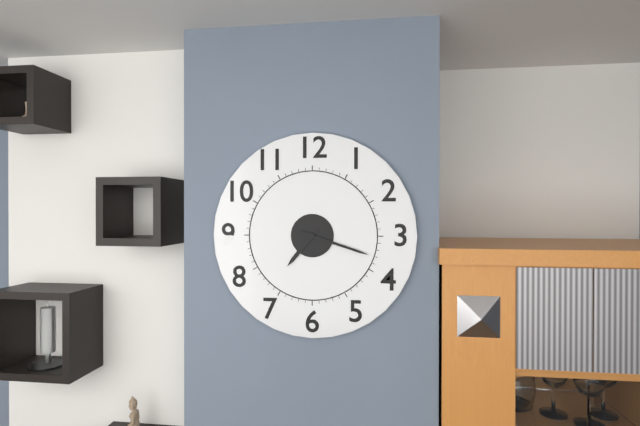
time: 7:18
